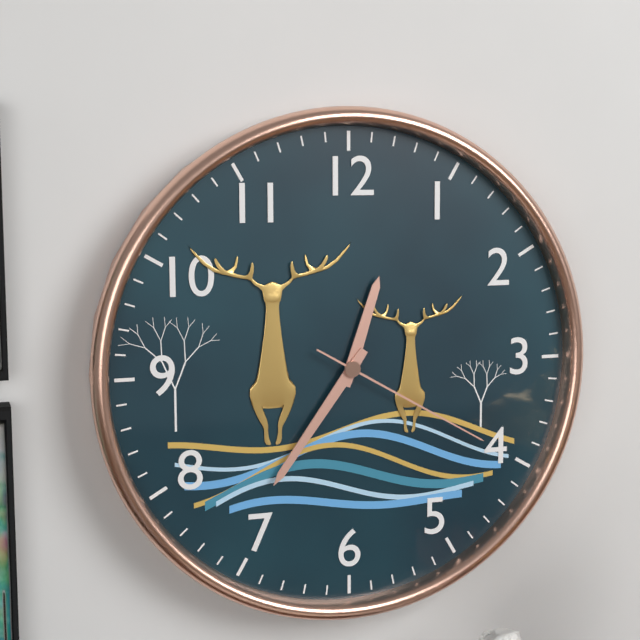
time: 12:36:20
